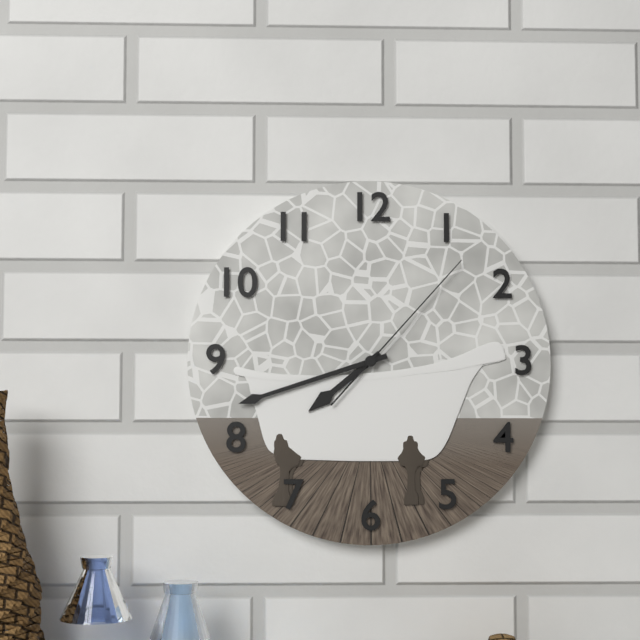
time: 7:42:07
